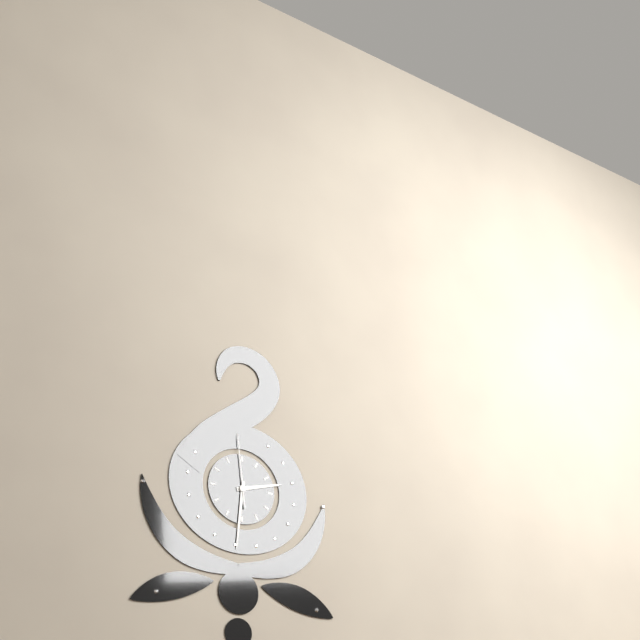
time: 2:31:59
